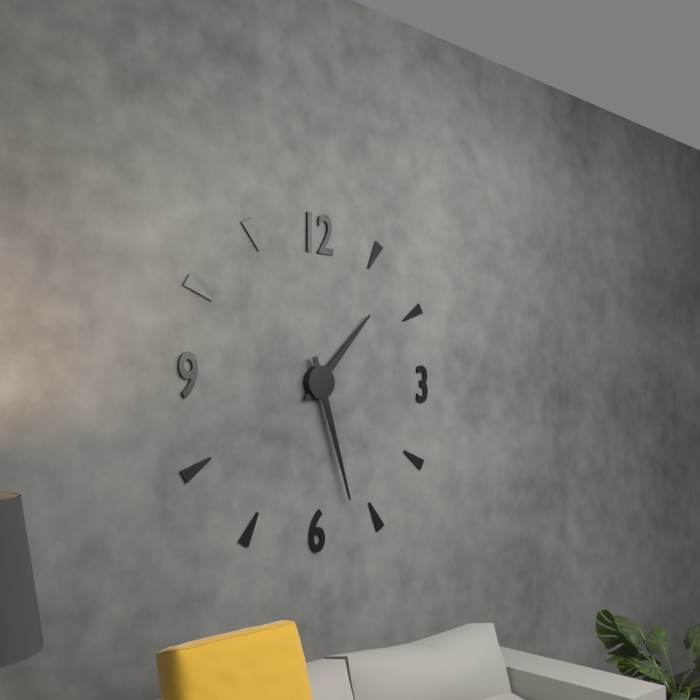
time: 1:27
